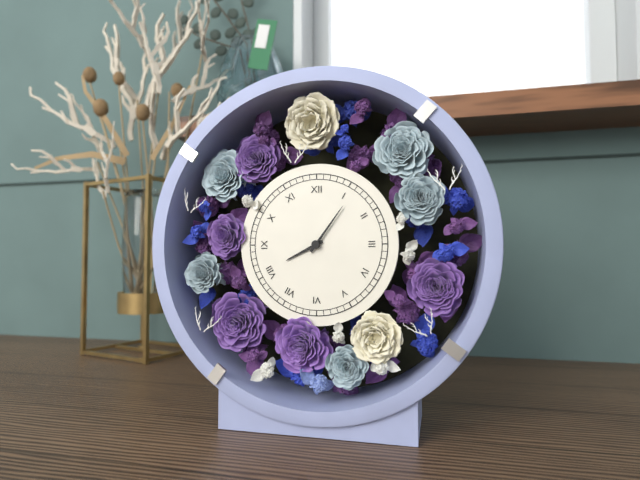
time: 8:06
